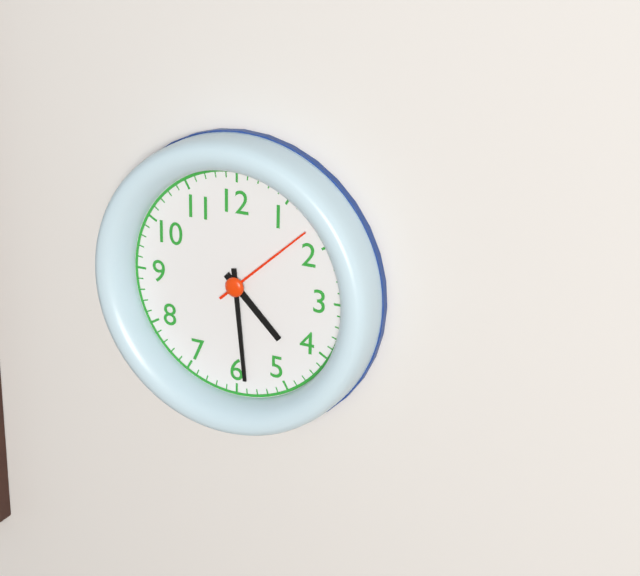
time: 4:29:08
